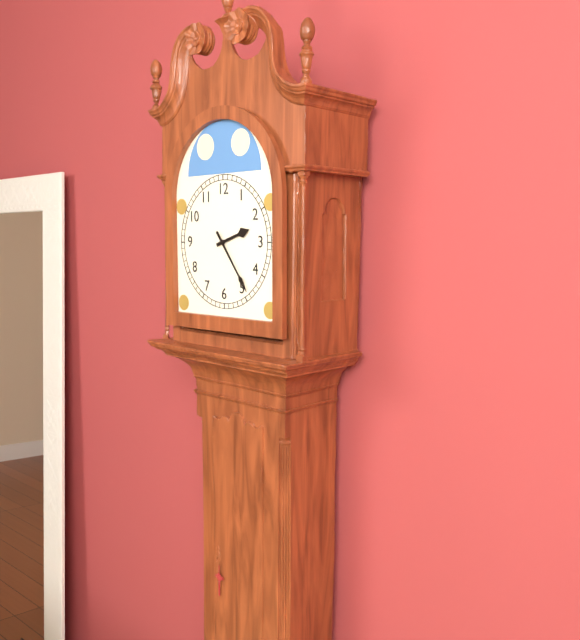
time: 2:24
